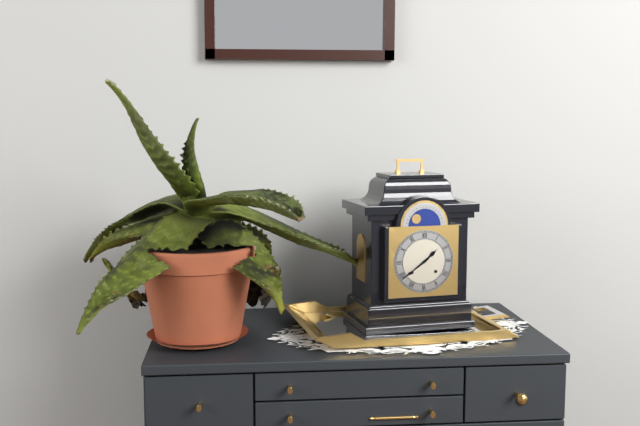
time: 1:39
